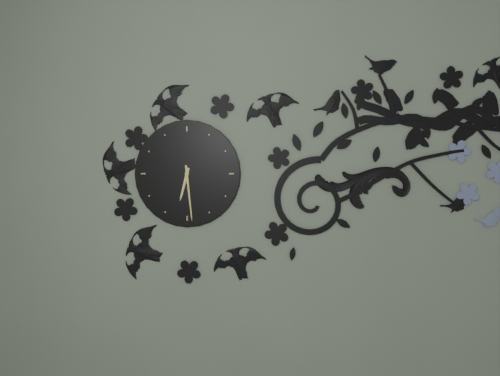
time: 6:29
